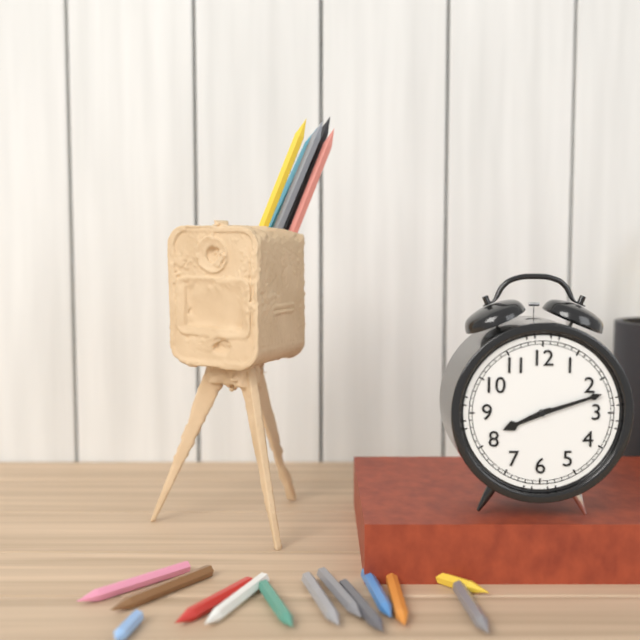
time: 8:12
